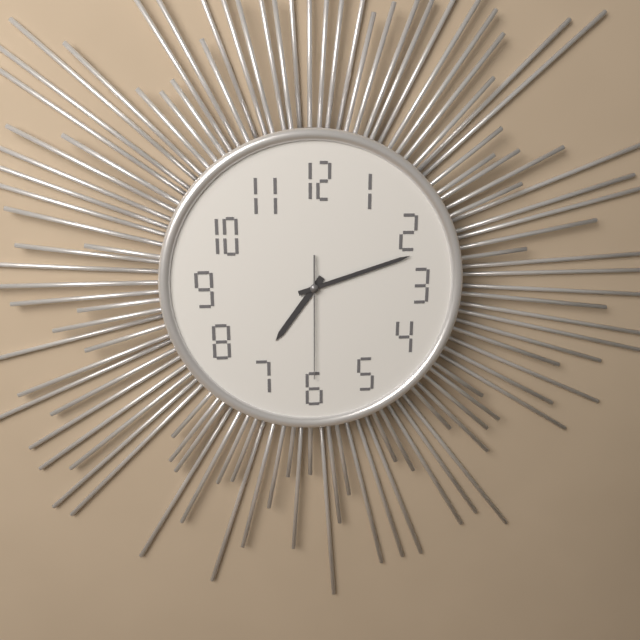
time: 7:12:30
